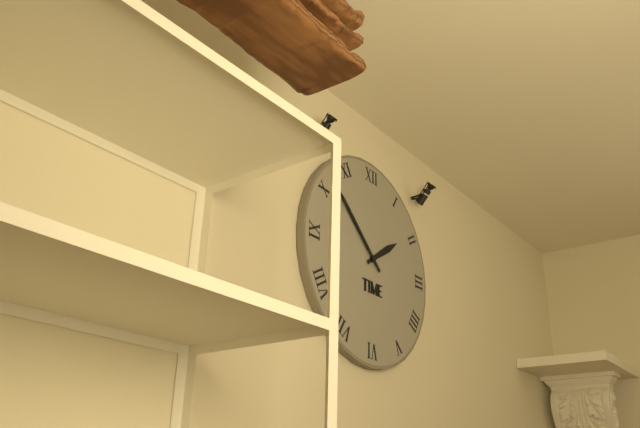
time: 1:52
